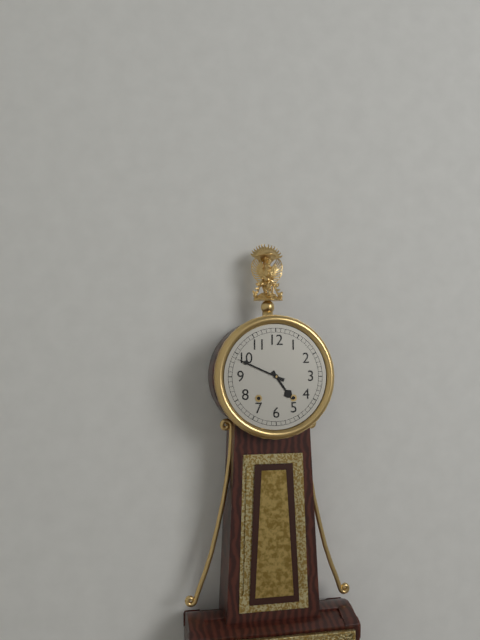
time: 4:49
